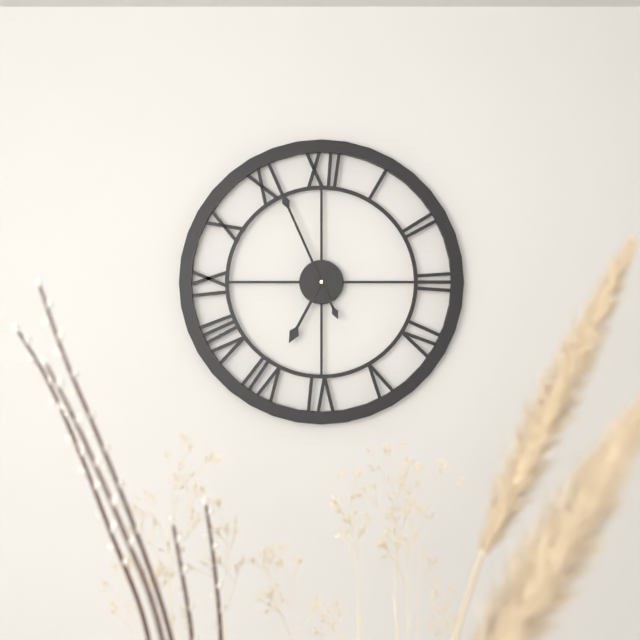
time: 6:56
